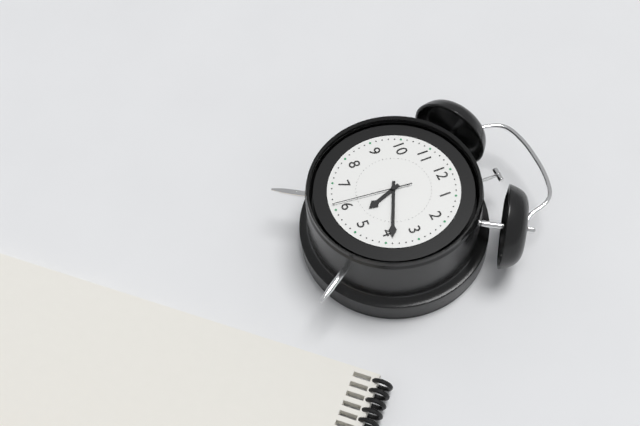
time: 5:19:31
